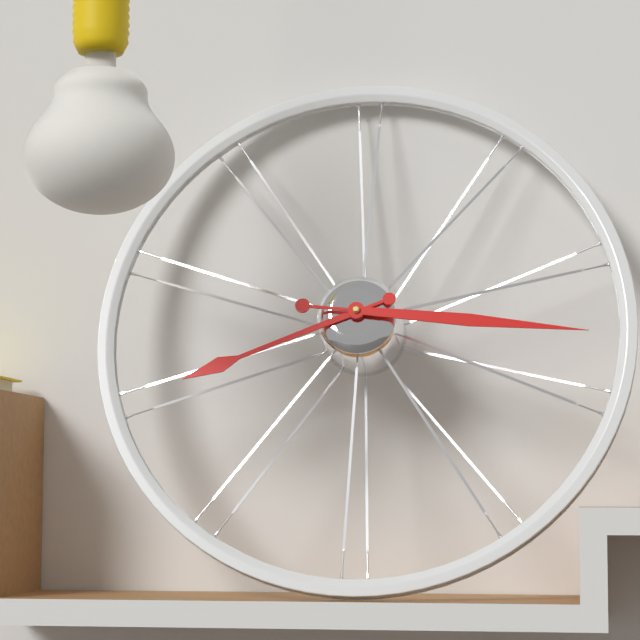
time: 8:16
